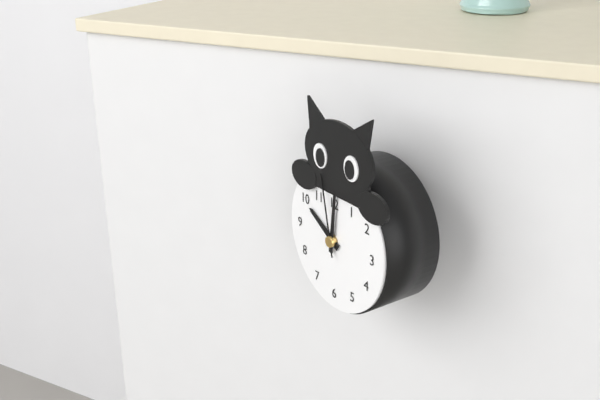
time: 10:01:58
